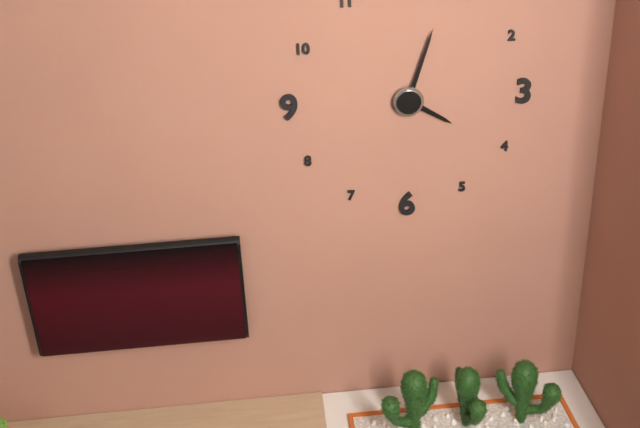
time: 4:03
